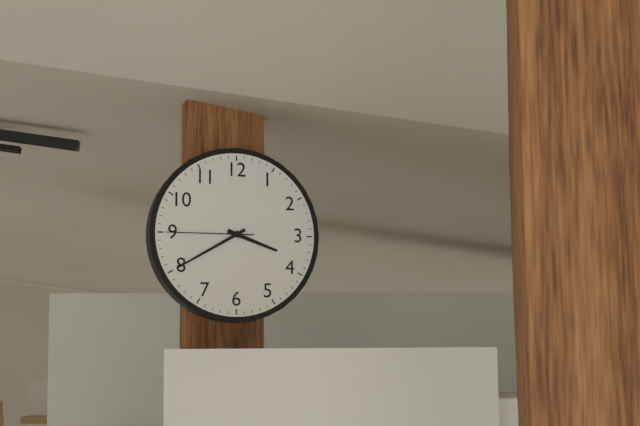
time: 3:40:45
